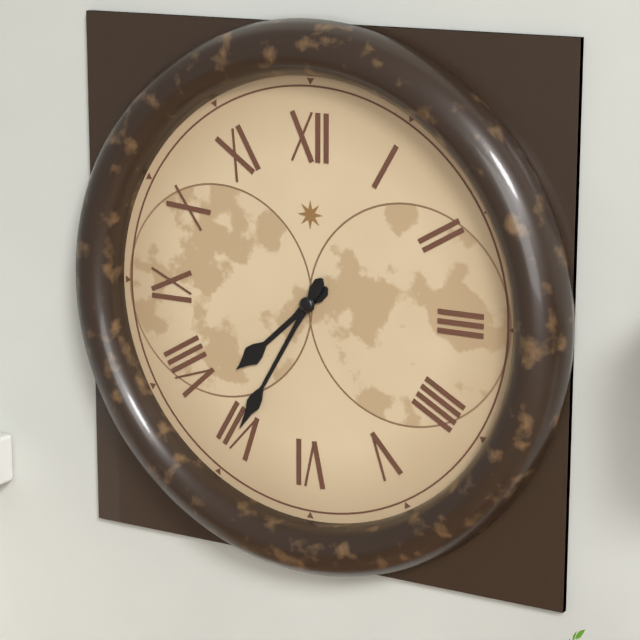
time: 7:35
